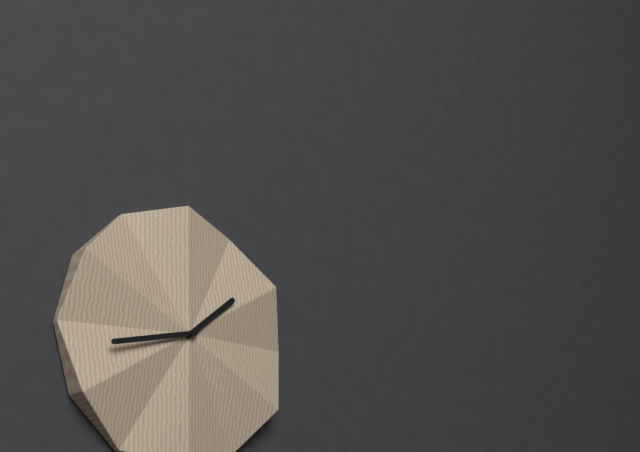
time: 1:43
